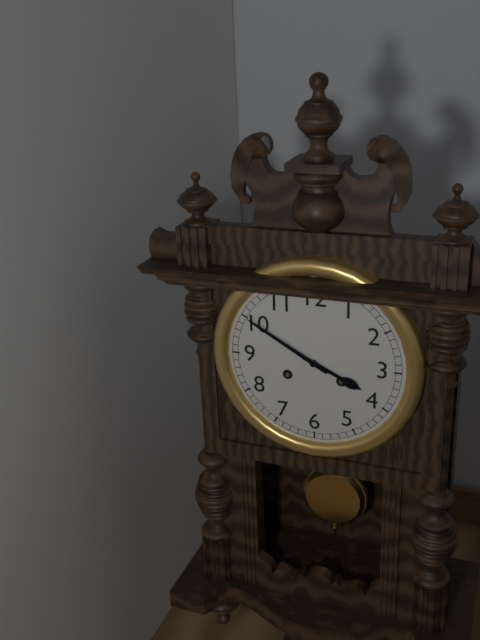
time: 3:50
